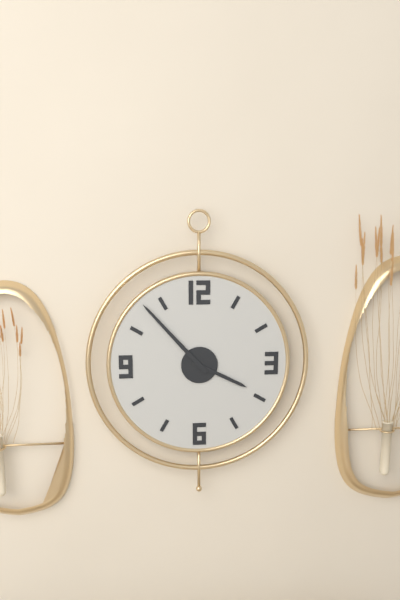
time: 3:53
